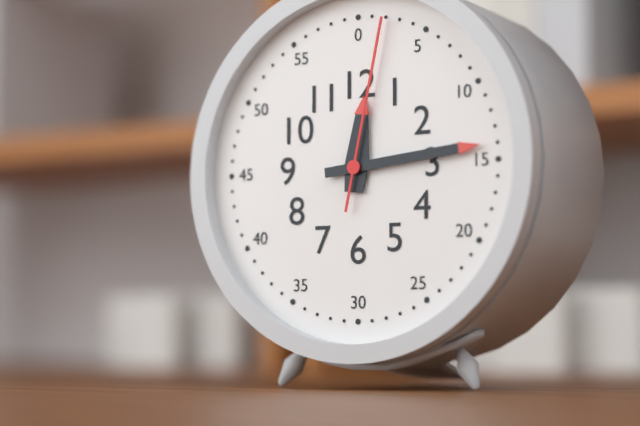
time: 12:14:02
